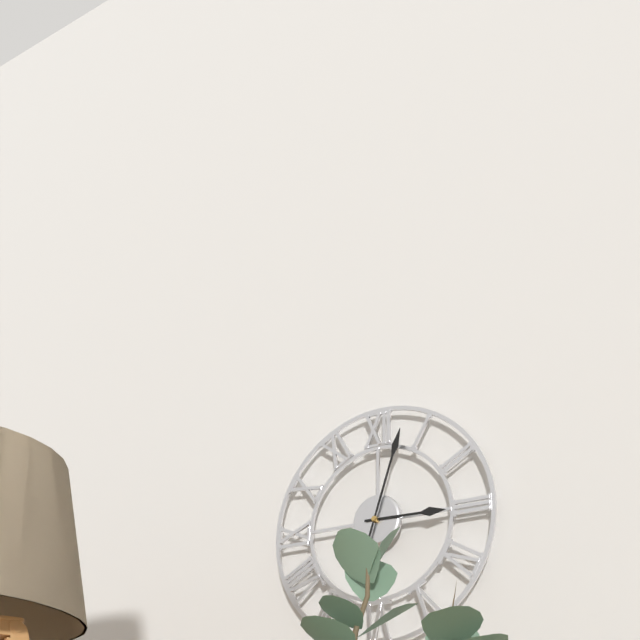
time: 3:03
